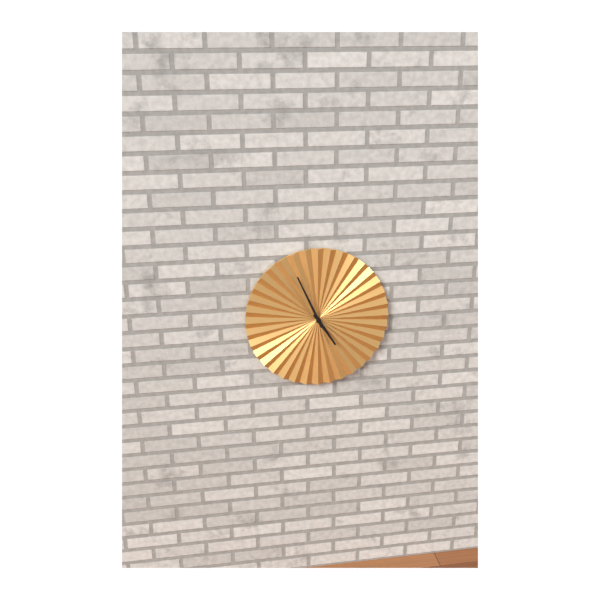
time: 4:56
